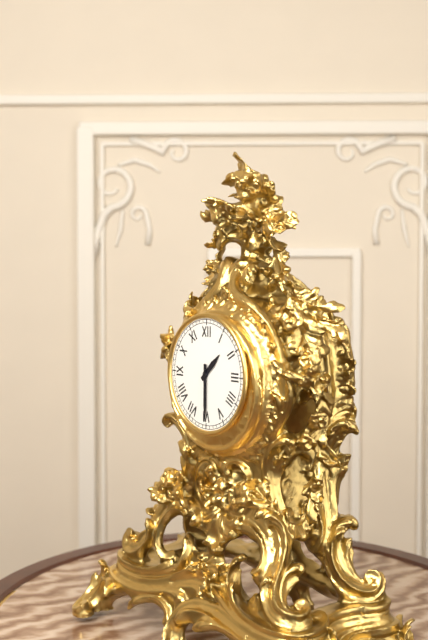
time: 1:30
